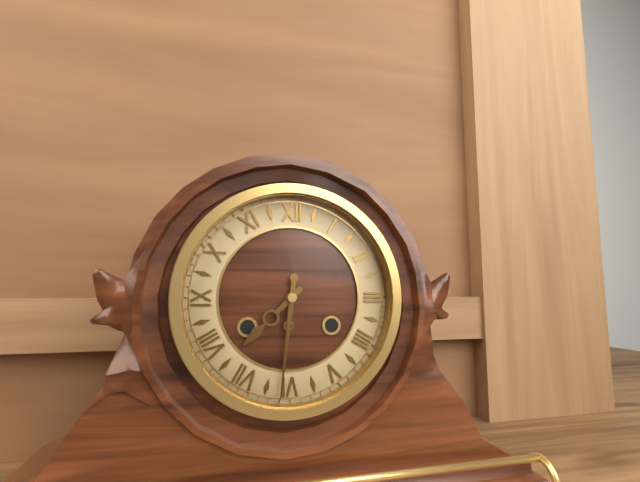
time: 7:31
